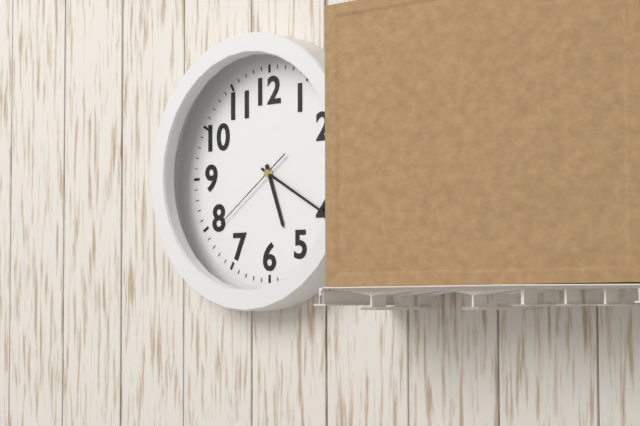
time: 5:20:39
